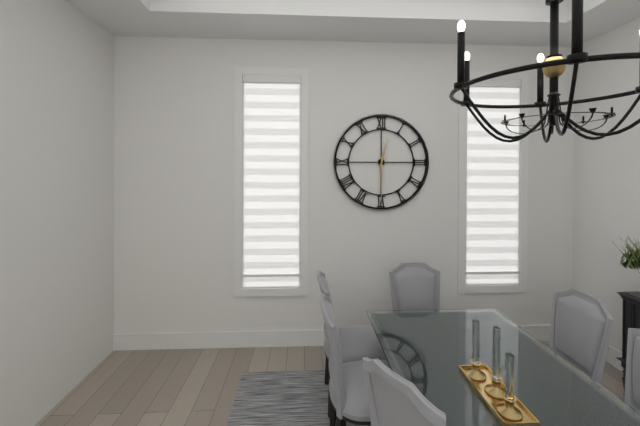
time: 12:30
